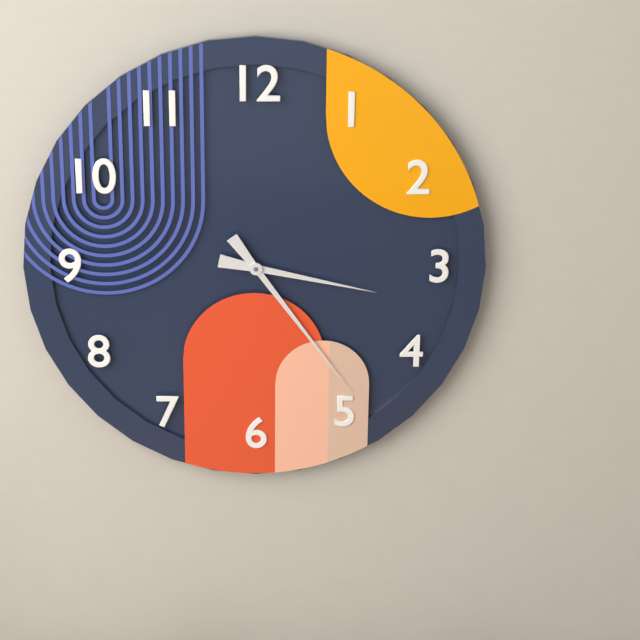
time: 3:24
